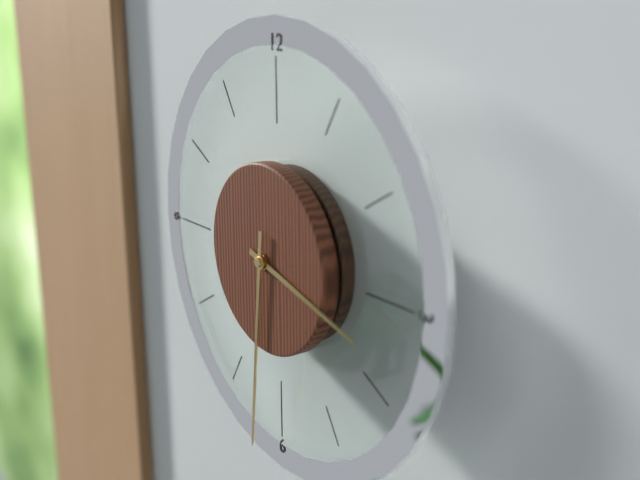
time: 3:31
